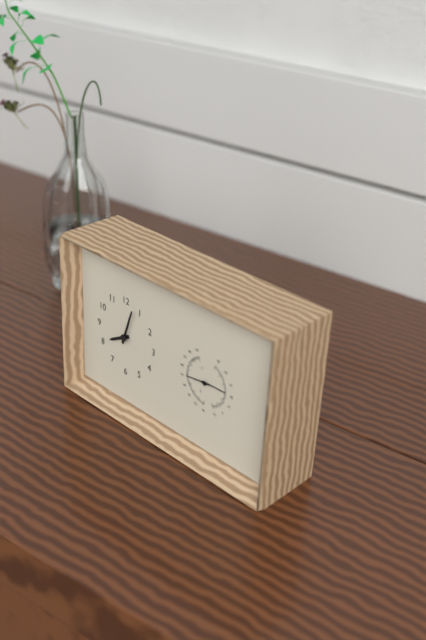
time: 8:03
